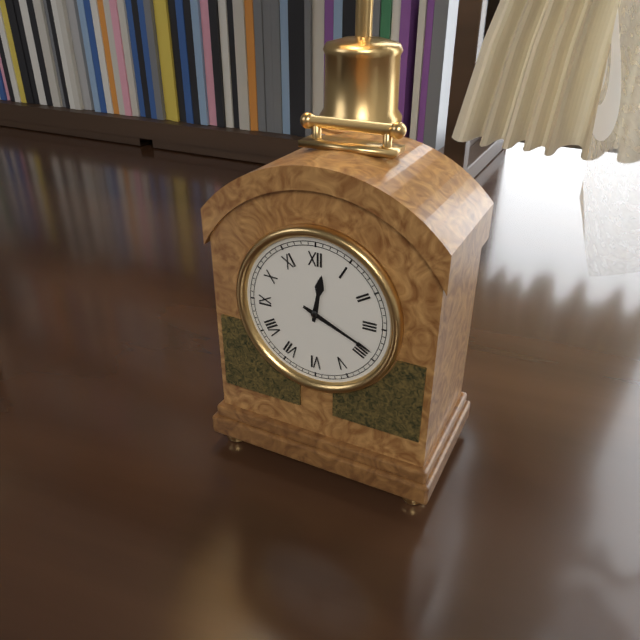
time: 12:19
